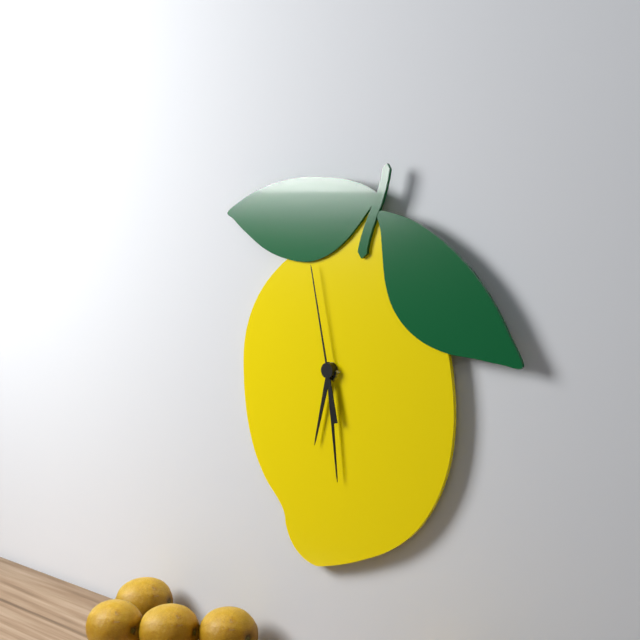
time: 6:29:58
